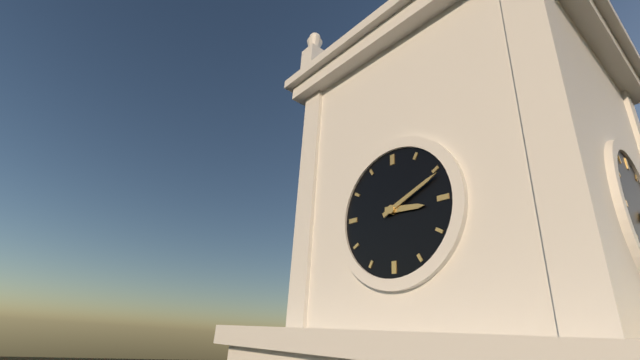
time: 3:11
